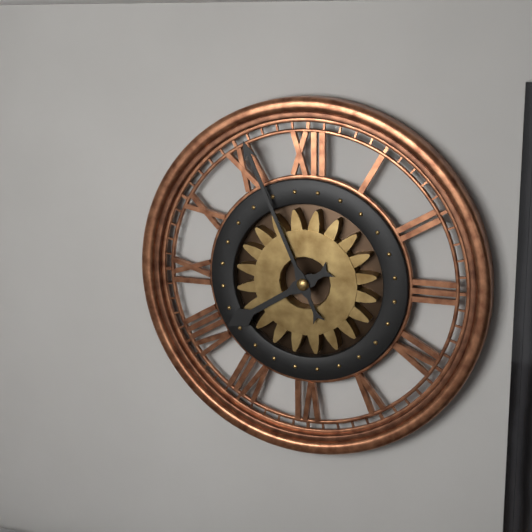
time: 7:56
